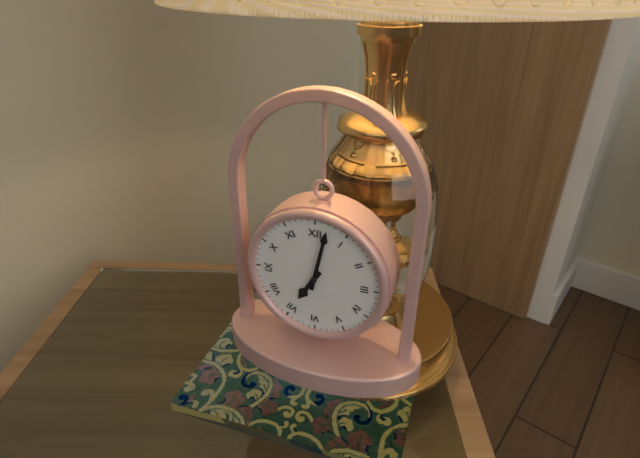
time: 7:02
